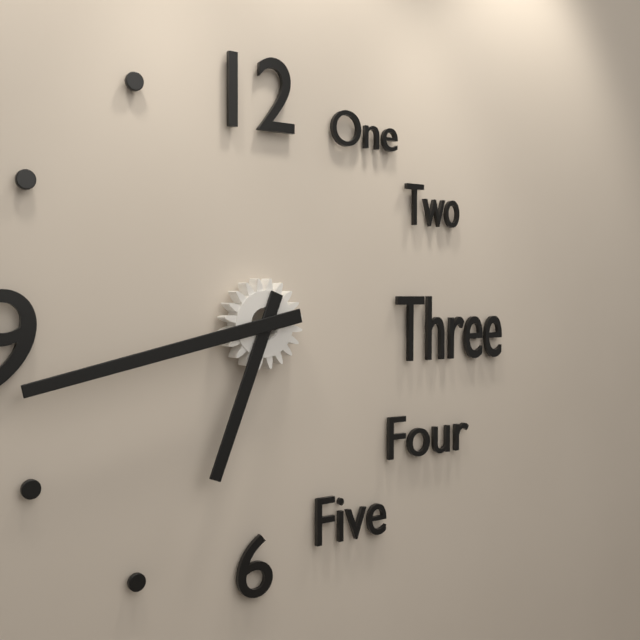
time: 6:43
